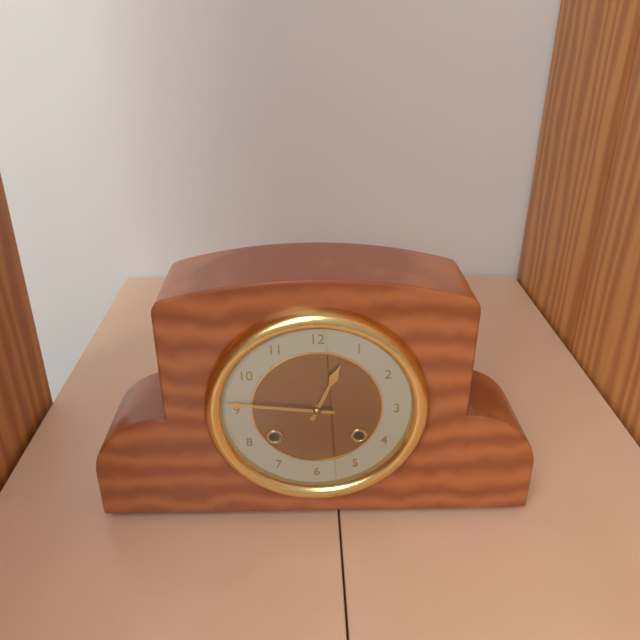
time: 12:46
